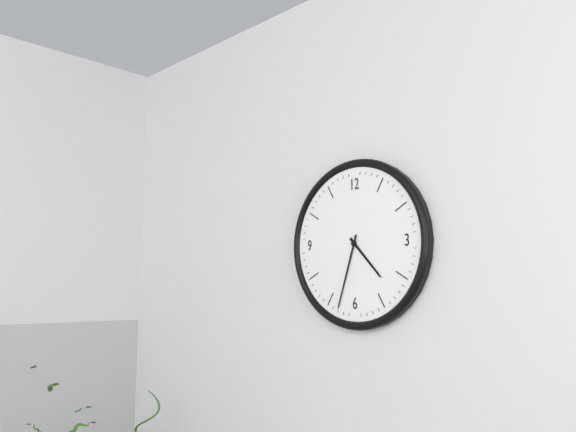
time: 4:33
